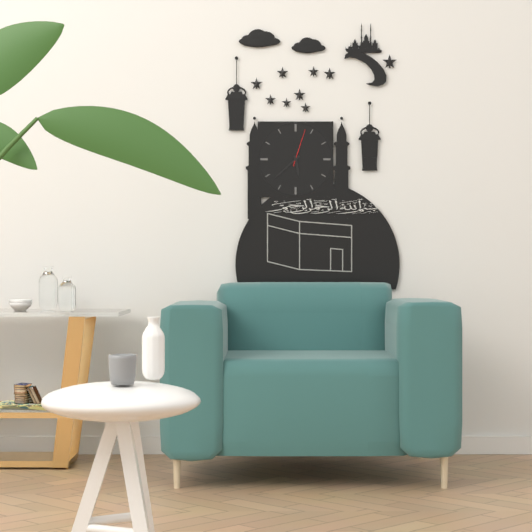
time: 5:38
